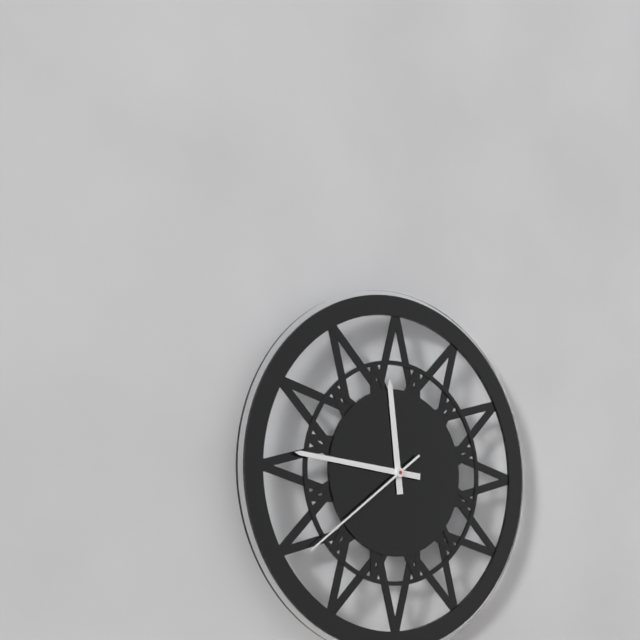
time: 11:46:39
